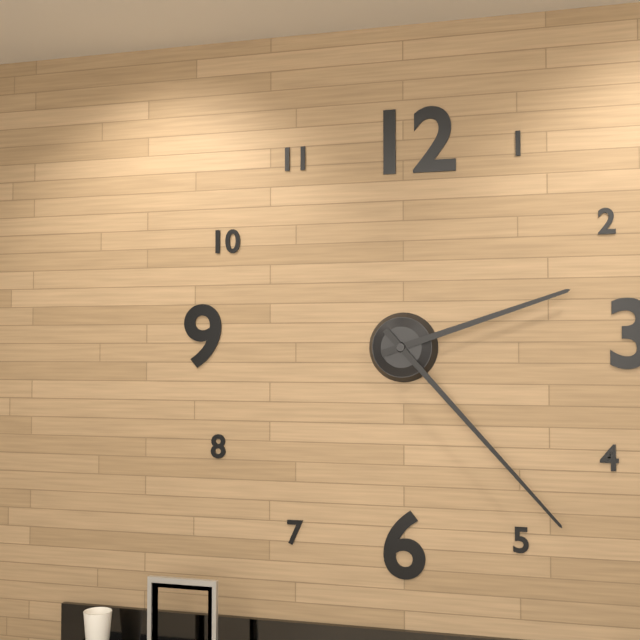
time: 2:23
